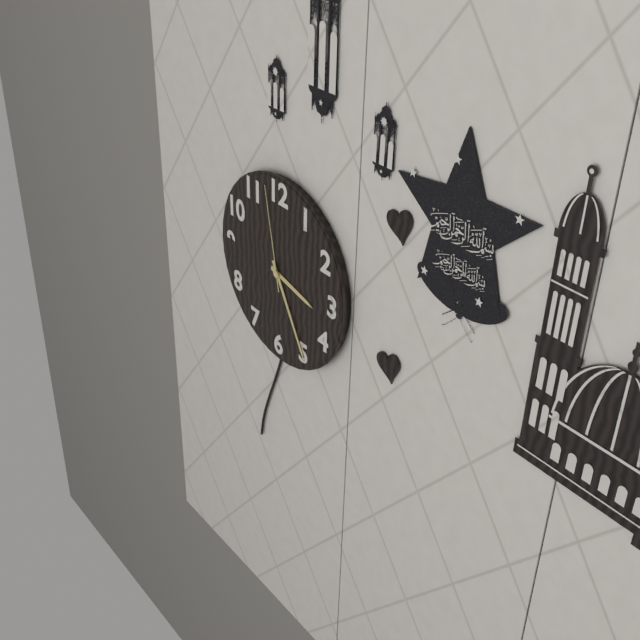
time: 3:25:58
